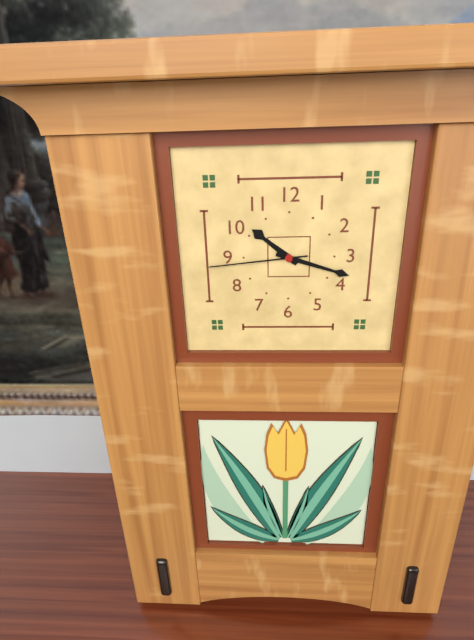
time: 10:18:44
